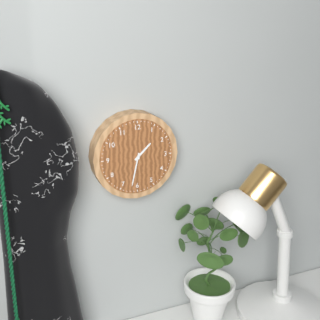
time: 1:32
